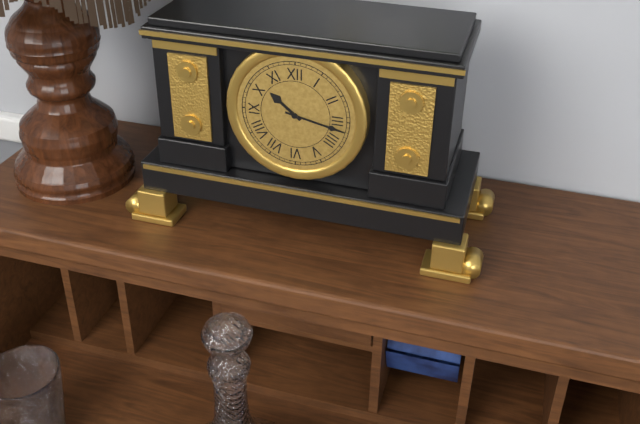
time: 10:17
